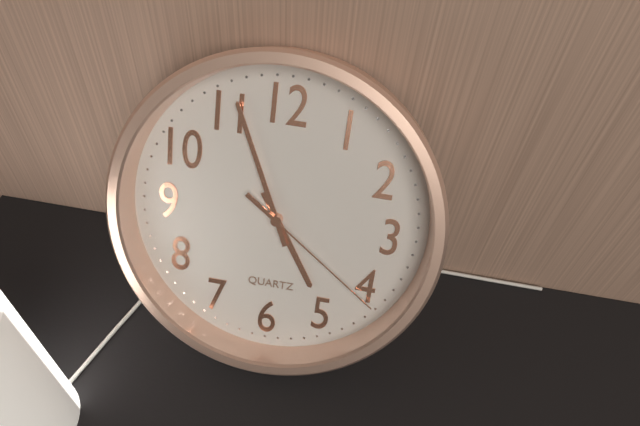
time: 4:56:21
